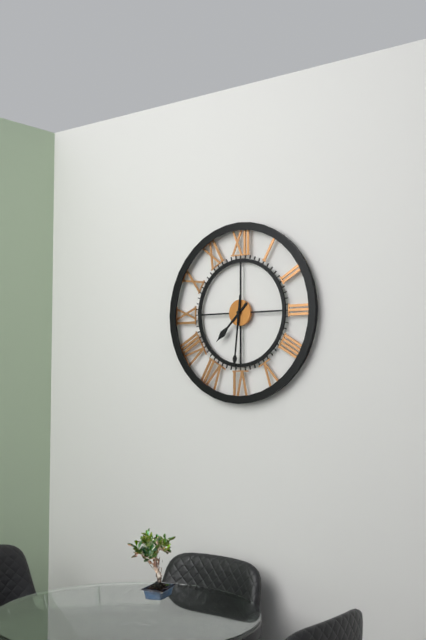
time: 7:31
